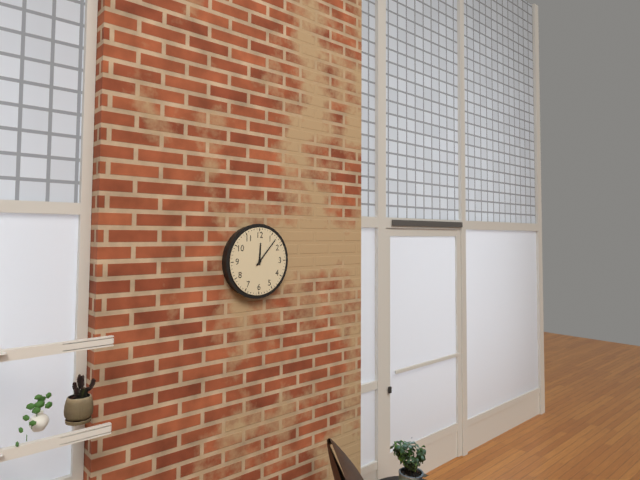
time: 12:07
